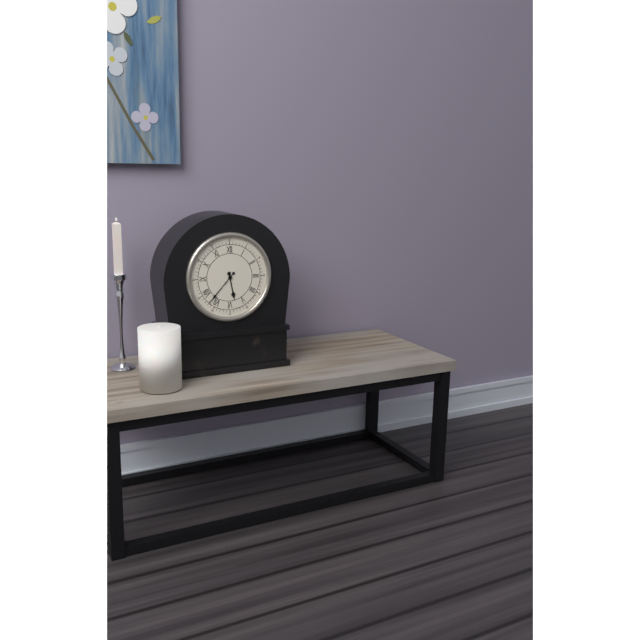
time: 5:37
